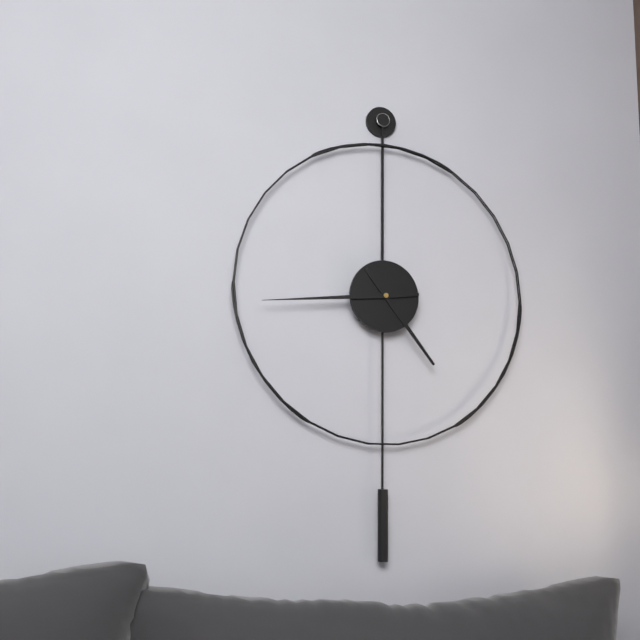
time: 4:44
